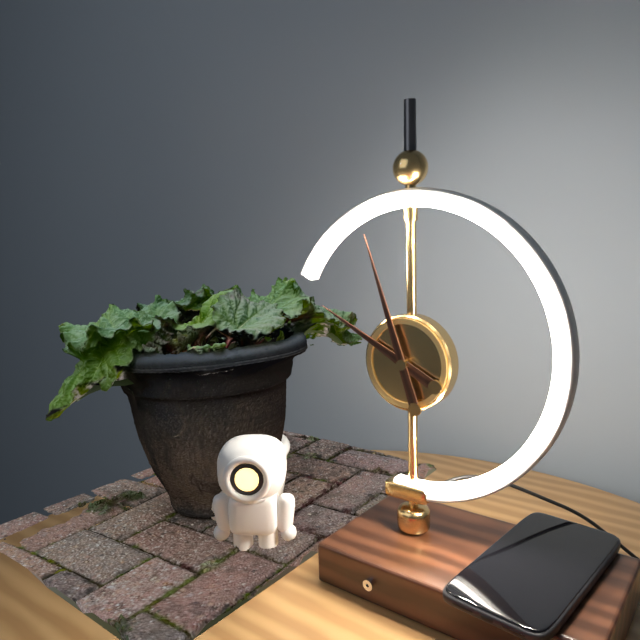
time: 9:57
